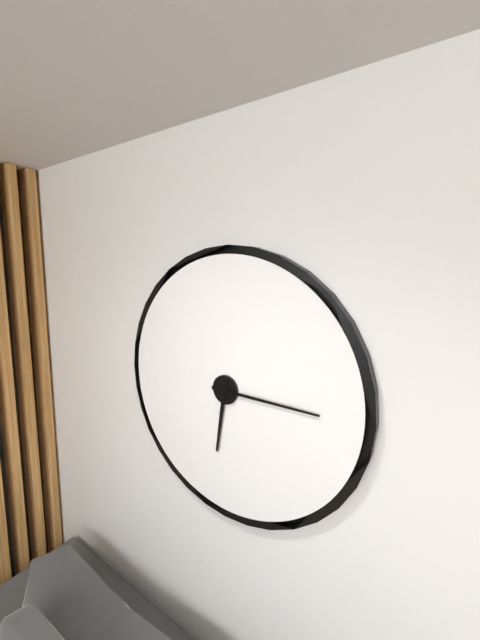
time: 6:15
